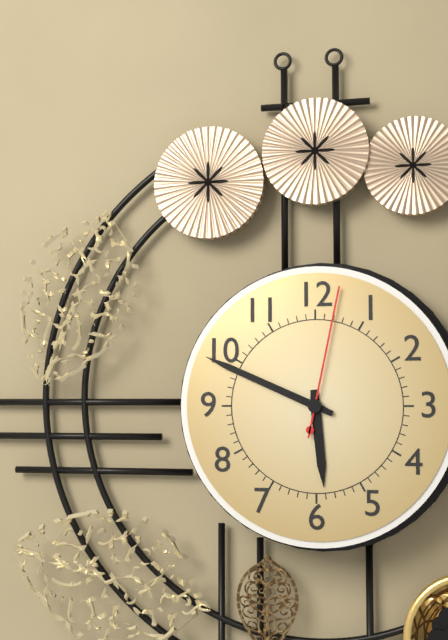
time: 5:49:02
